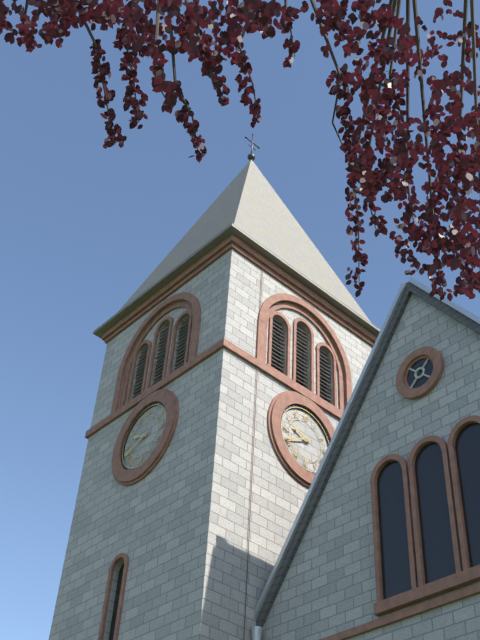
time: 9:41
